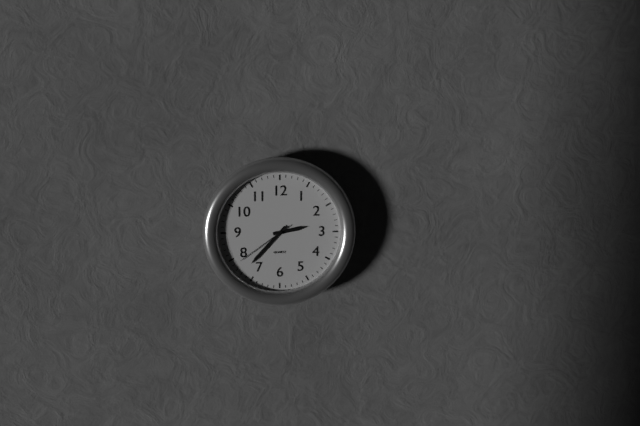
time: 2:37:39
